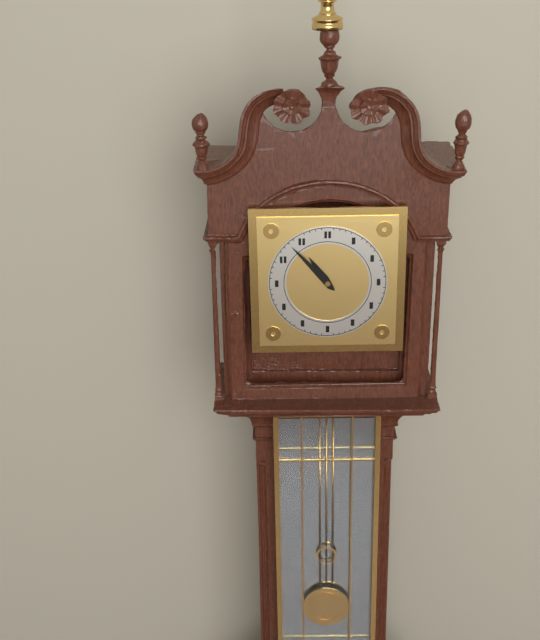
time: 10:53
